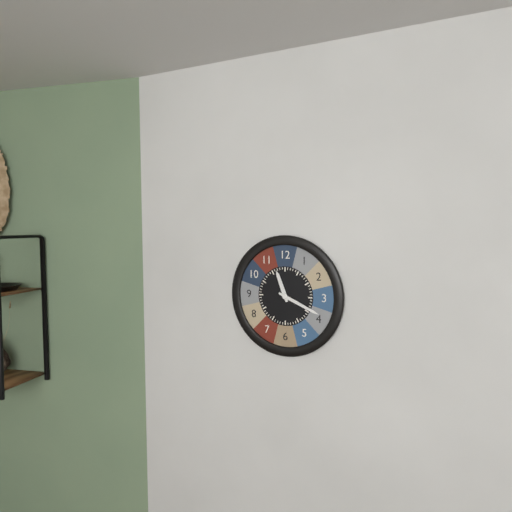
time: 11:19
